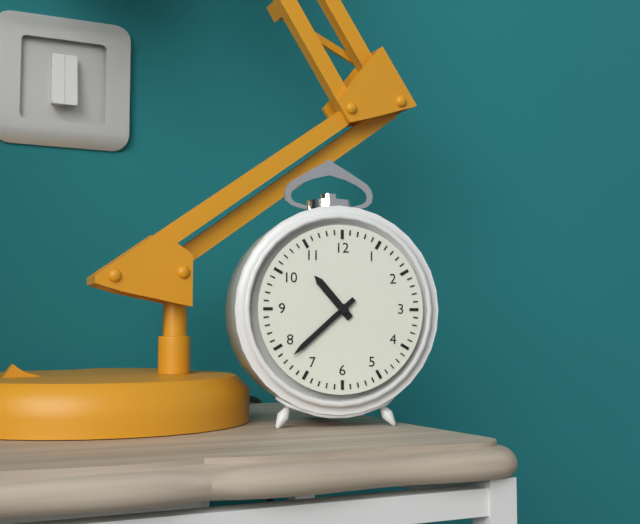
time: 10:38
